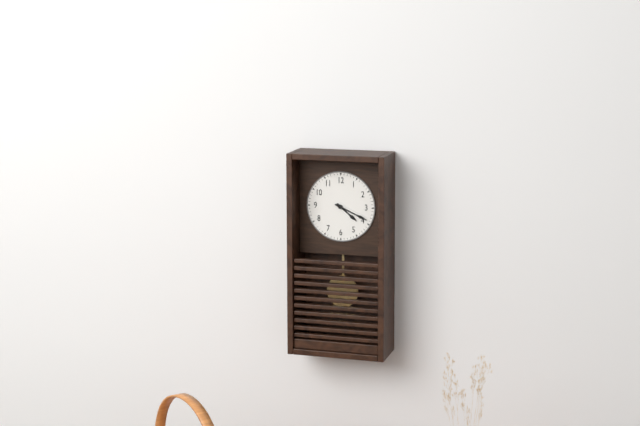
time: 4:19
